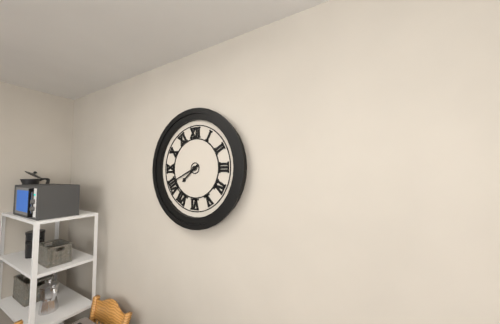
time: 7:41
